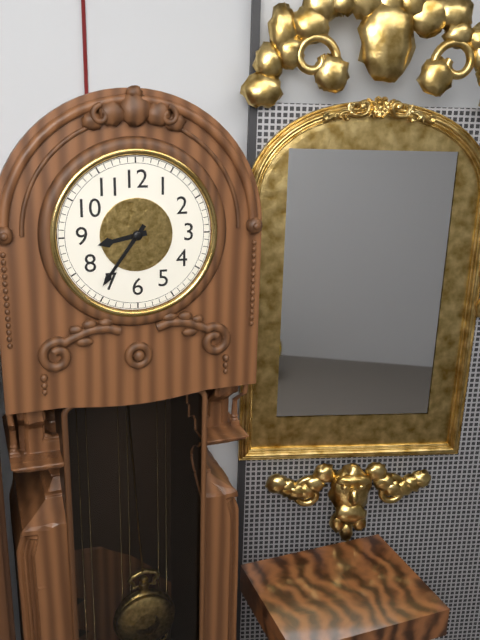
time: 8:36
